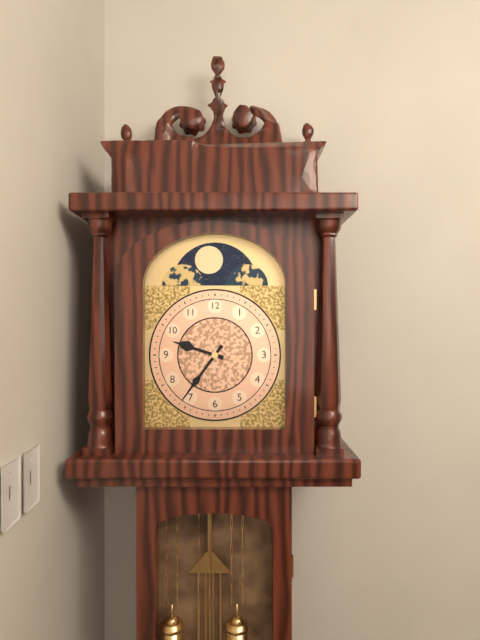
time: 9:36
